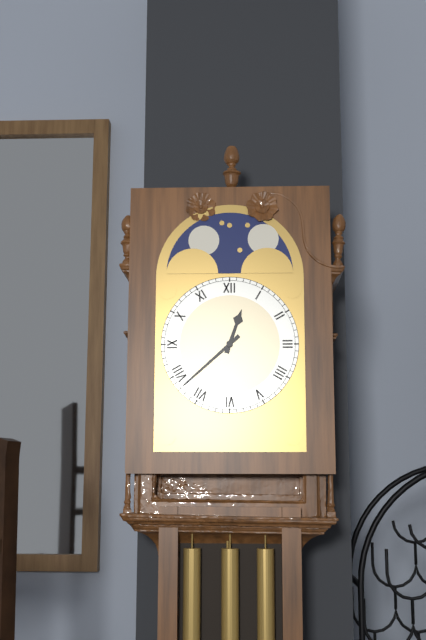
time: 12:38
